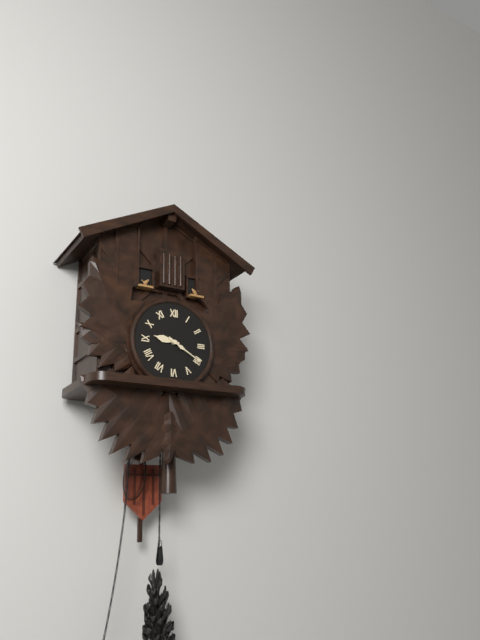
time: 9:20
